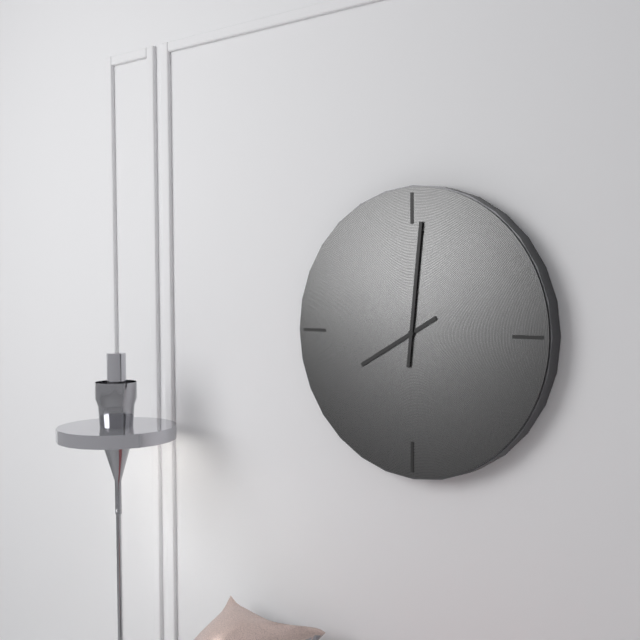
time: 8:01
